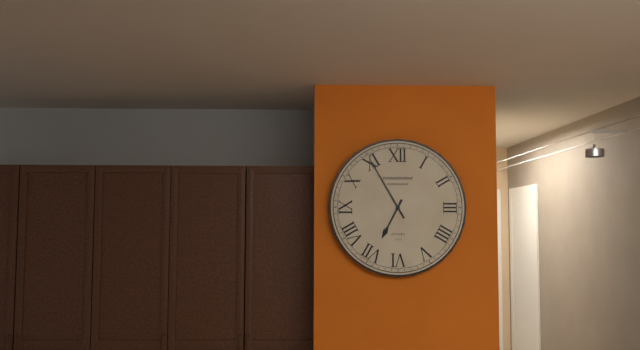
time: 6:55
